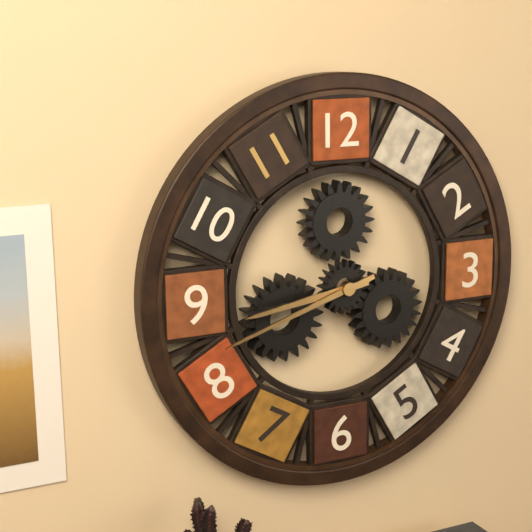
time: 8:42
